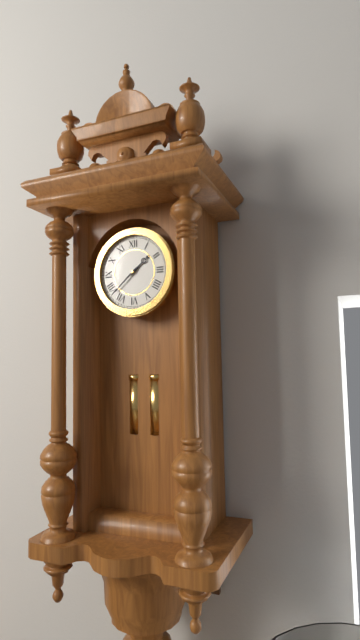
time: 1:38
